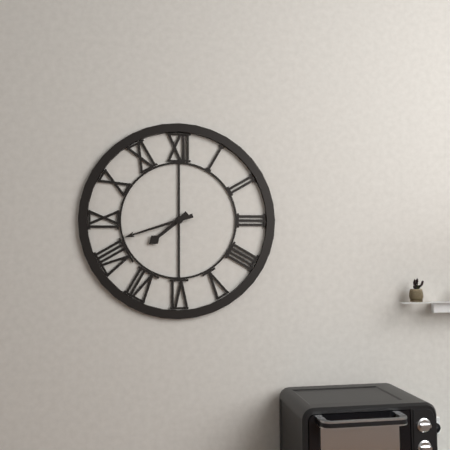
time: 7:42
